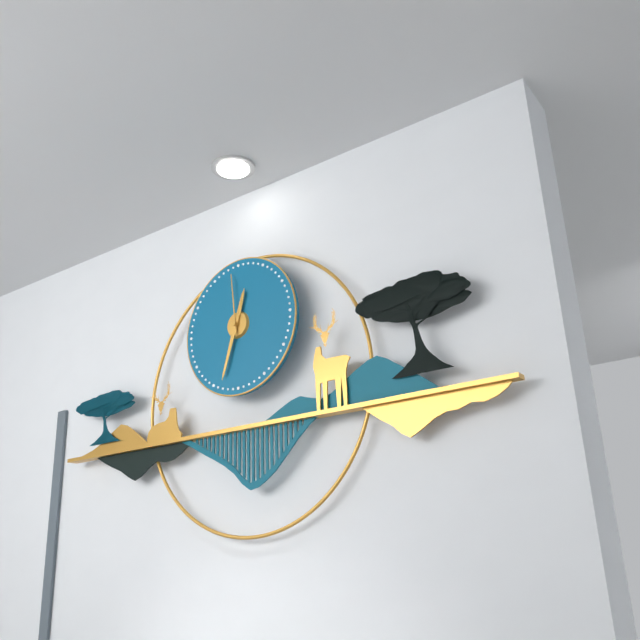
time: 12:33:59
